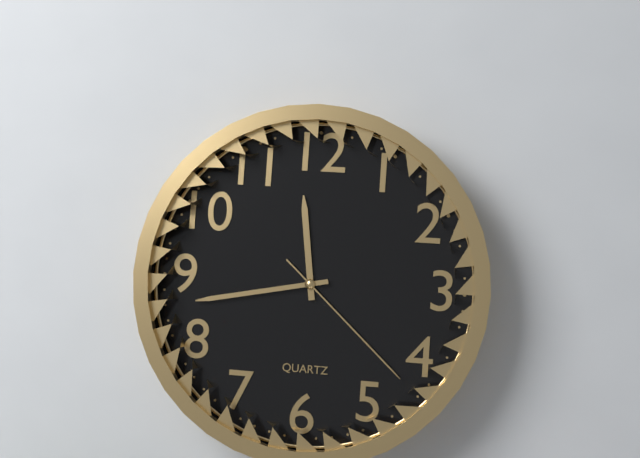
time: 11:43:22
